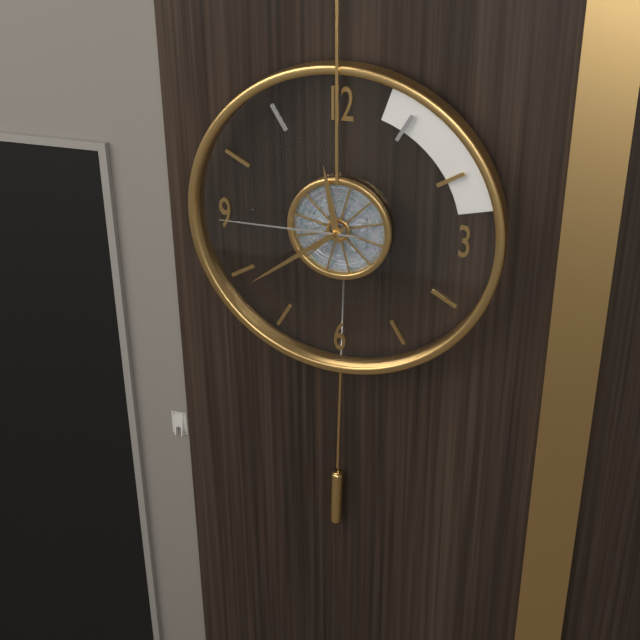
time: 11:39:45
